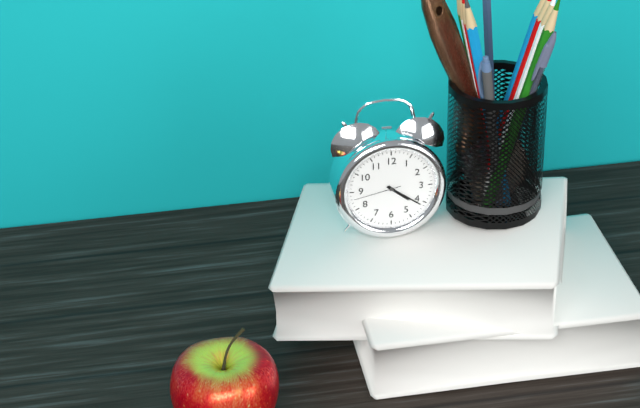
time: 4:21
